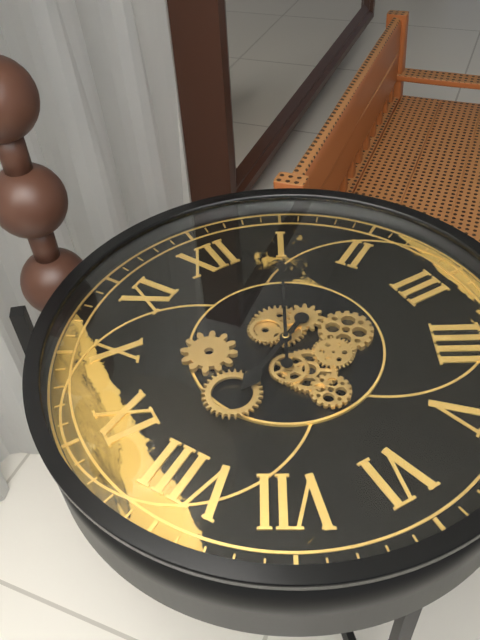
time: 8:05
